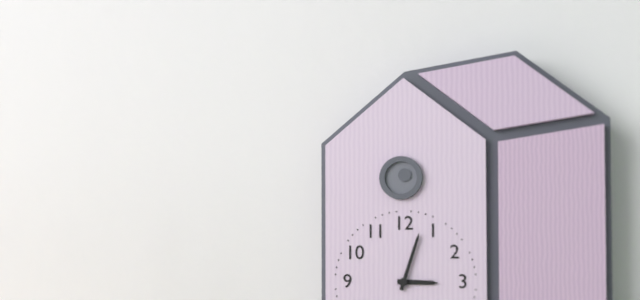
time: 3:03
